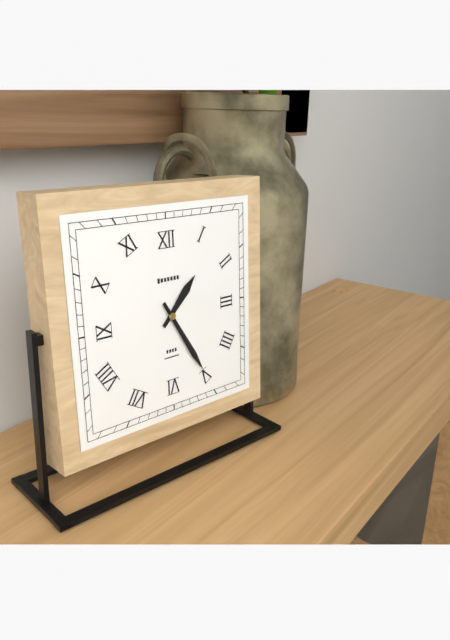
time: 1:25
